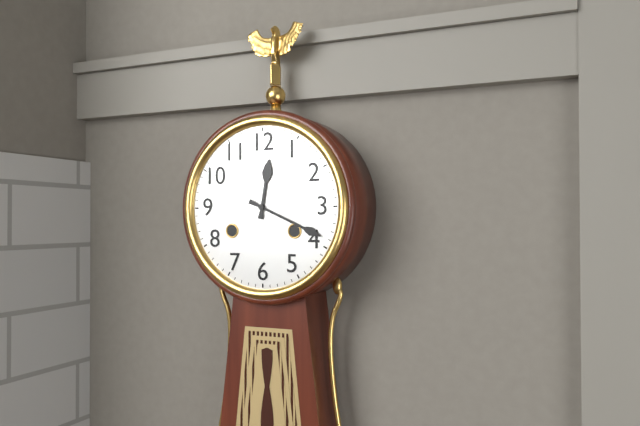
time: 12:19
